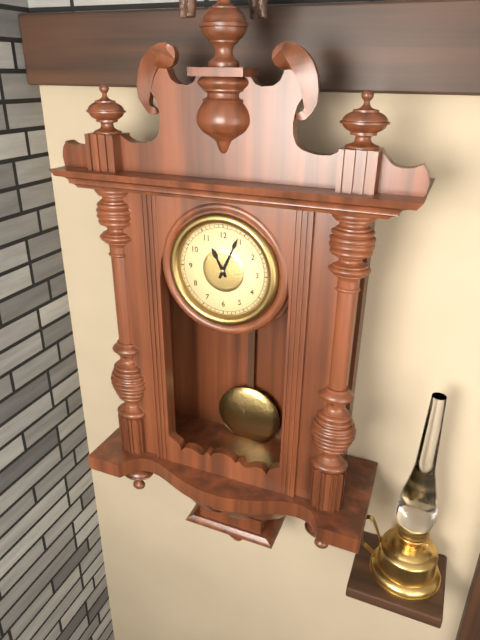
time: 11:04
